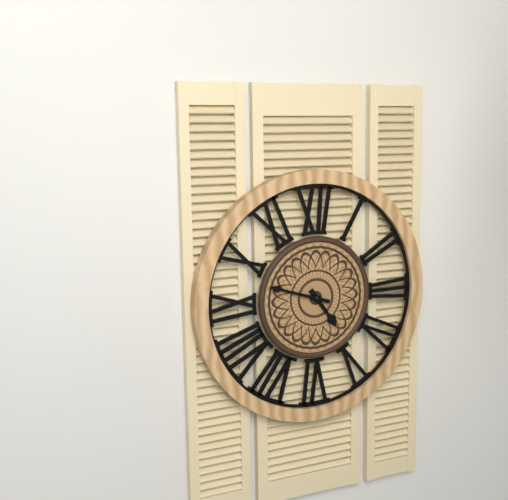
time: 4:48
